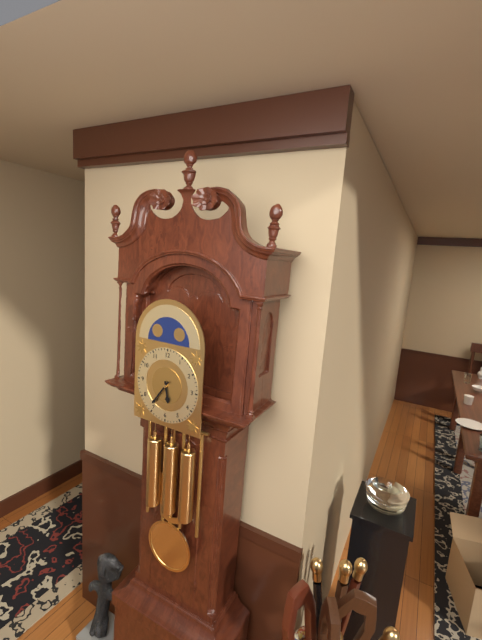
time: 5:36
